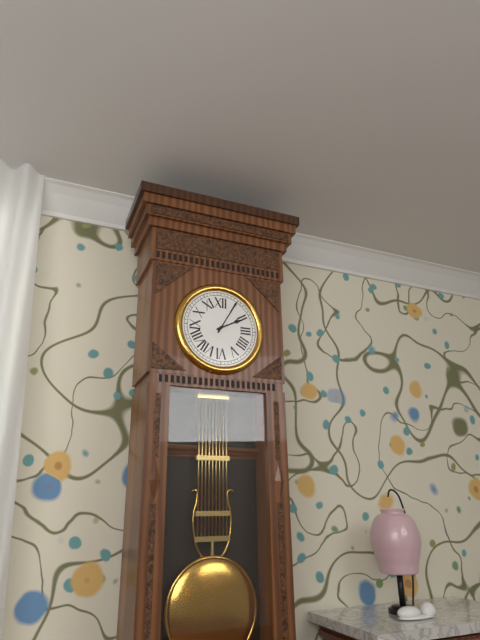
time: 2:05
